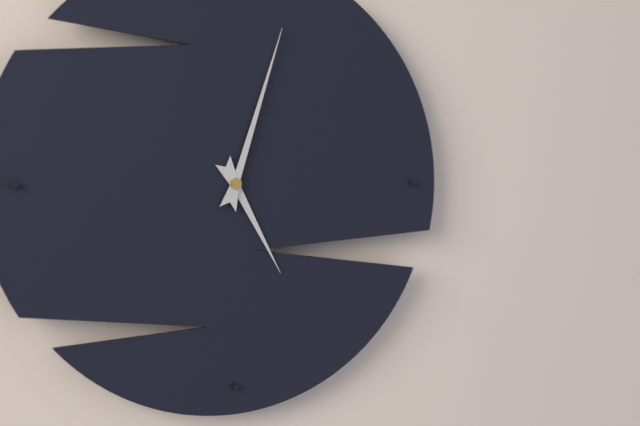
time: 5:03
